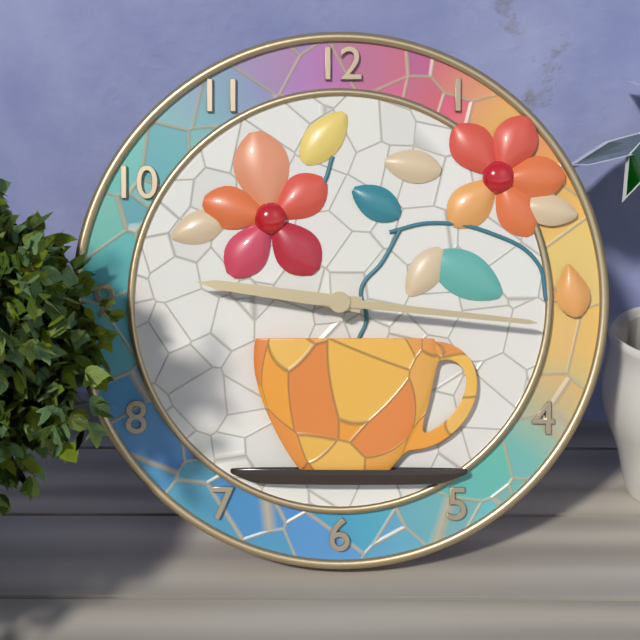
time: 9:16
